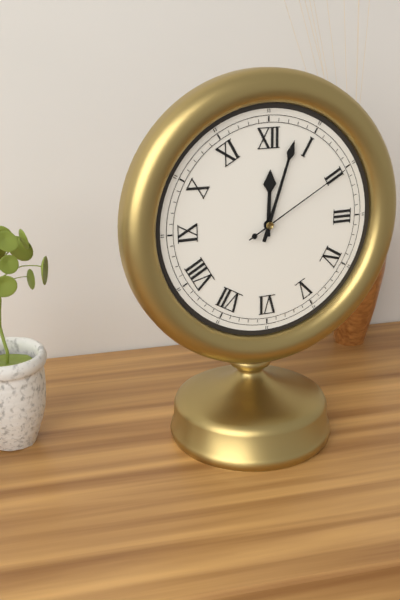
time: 12:03:10
